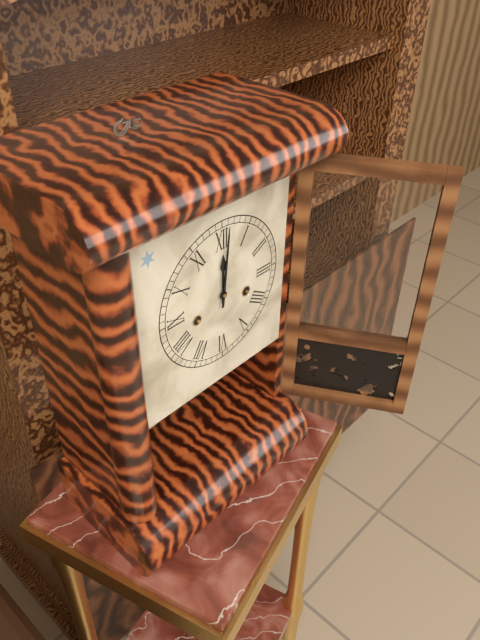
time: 12:01
